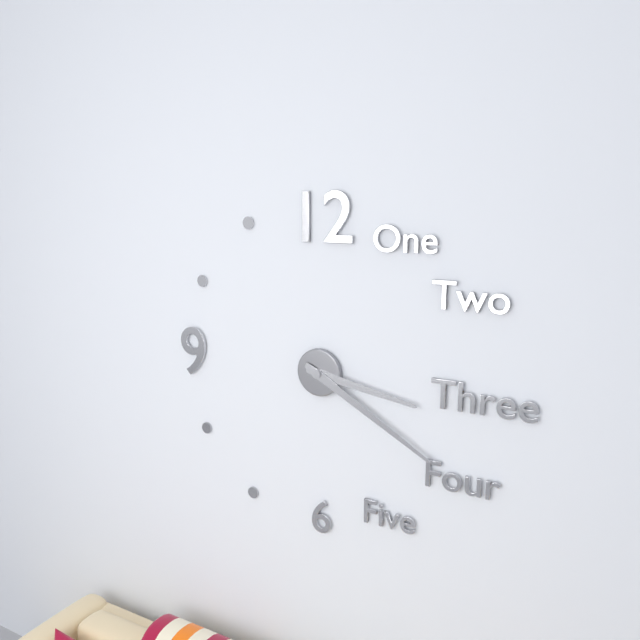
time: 3:20
